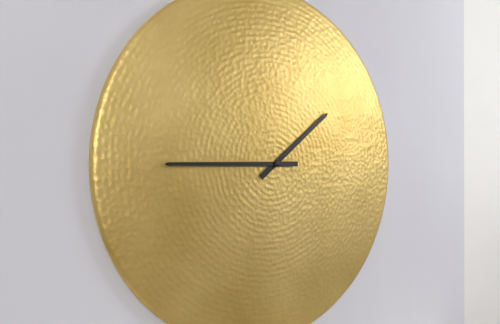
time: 1:45
